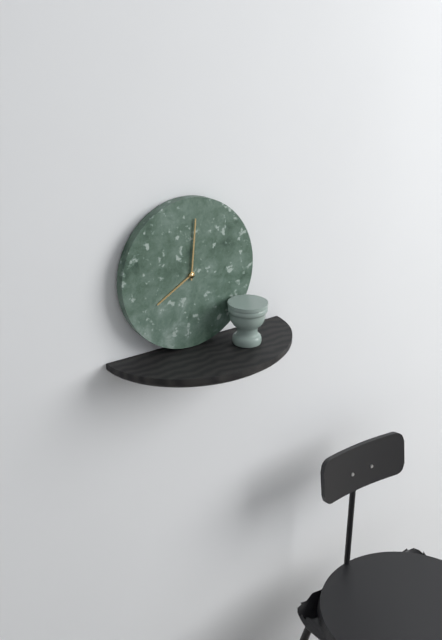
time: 8:01
